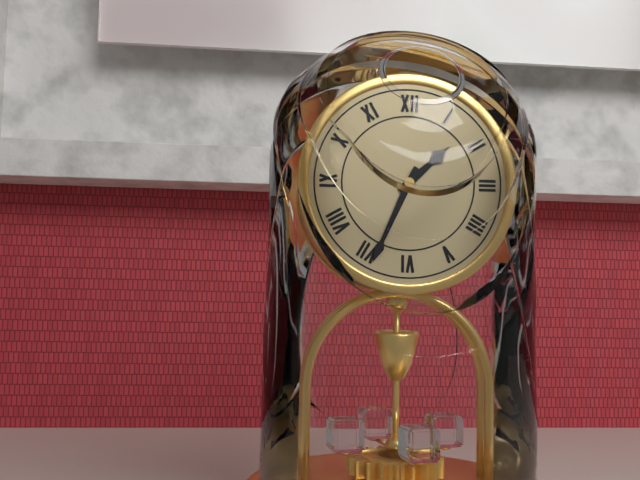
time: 1:34
